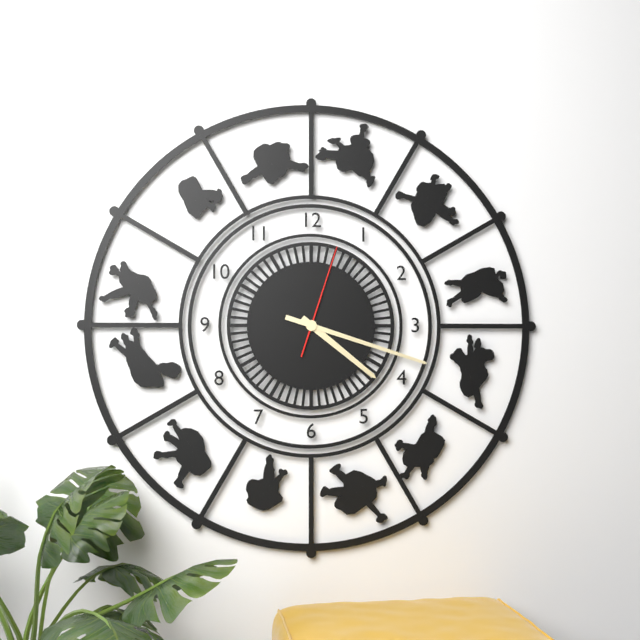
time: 4:18:03
